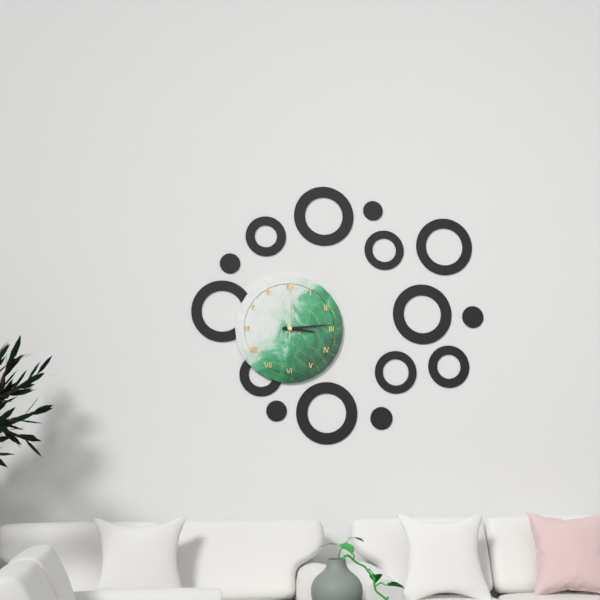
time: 3:14:00
